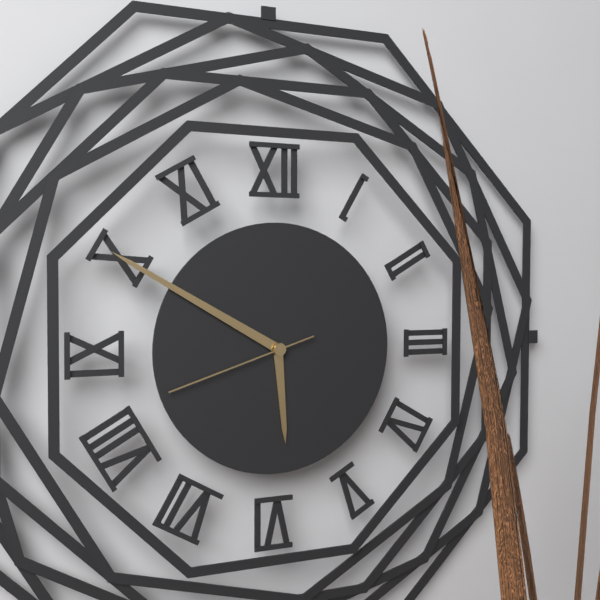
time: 5:50:42
